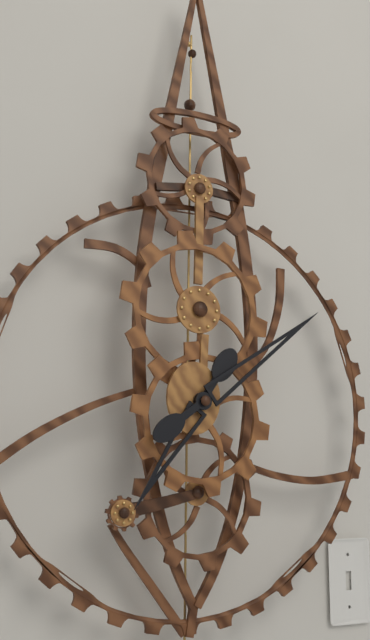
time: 7:09
